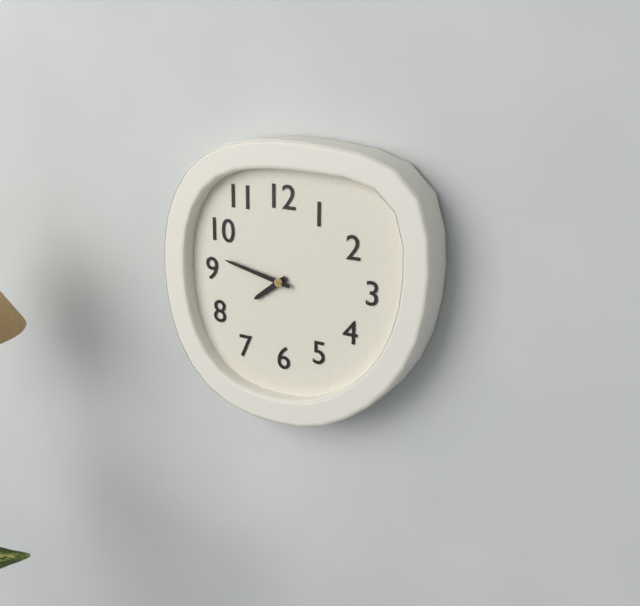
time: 7:47
